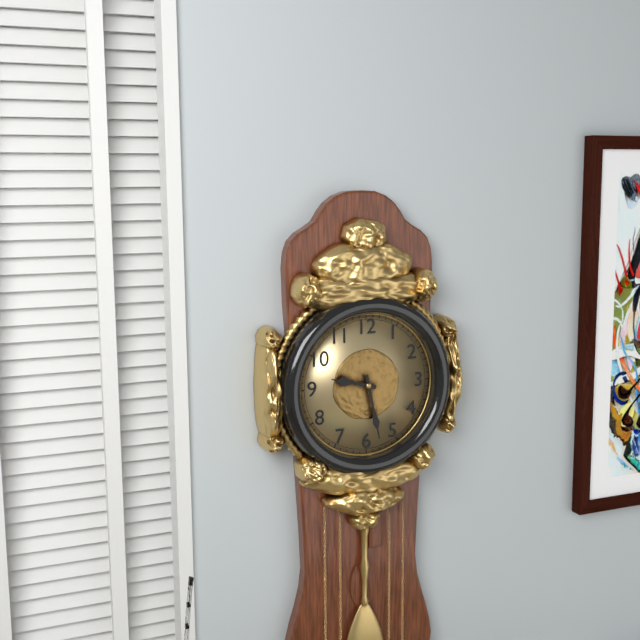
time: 9:28
